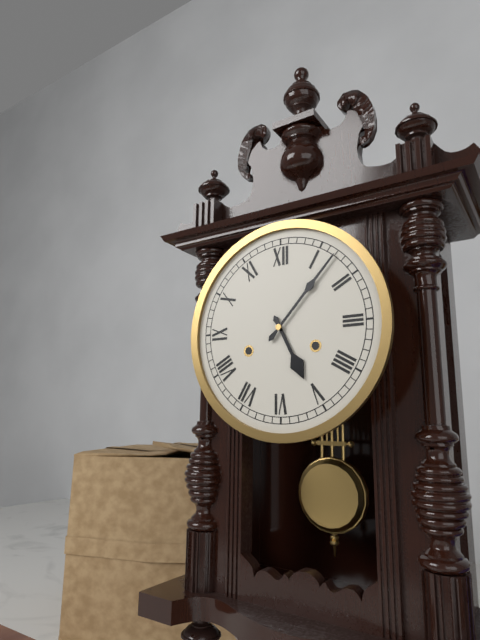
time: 5:07
